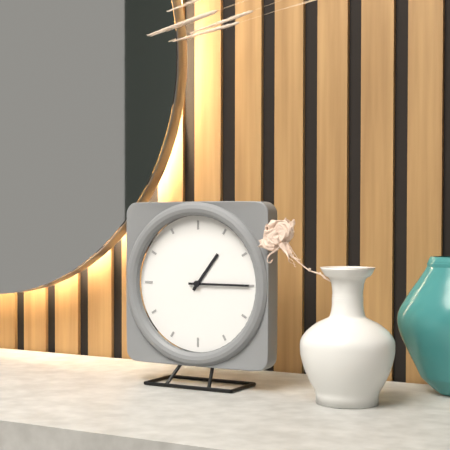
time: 1:15
